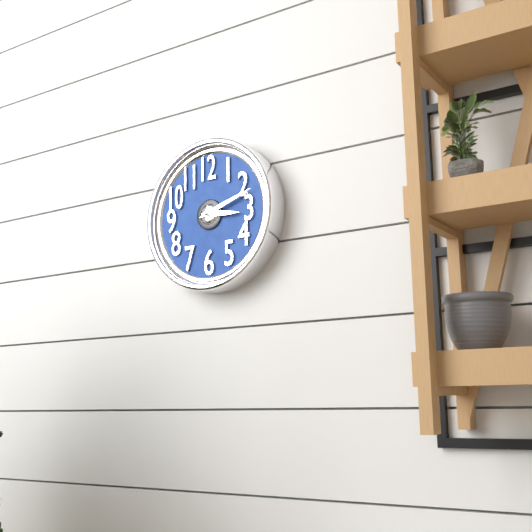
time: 3:12
